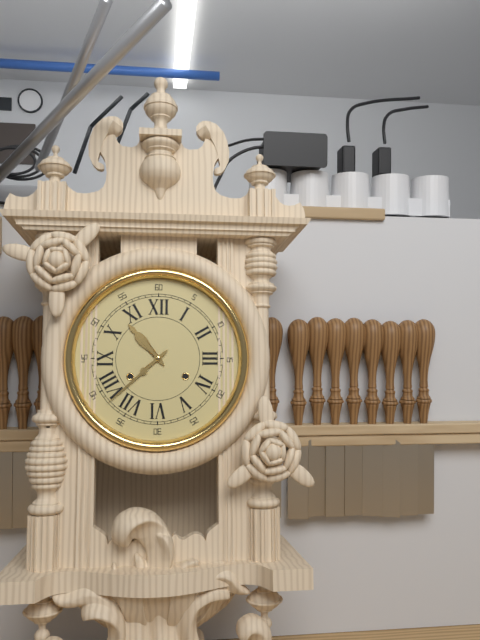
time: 10:38
